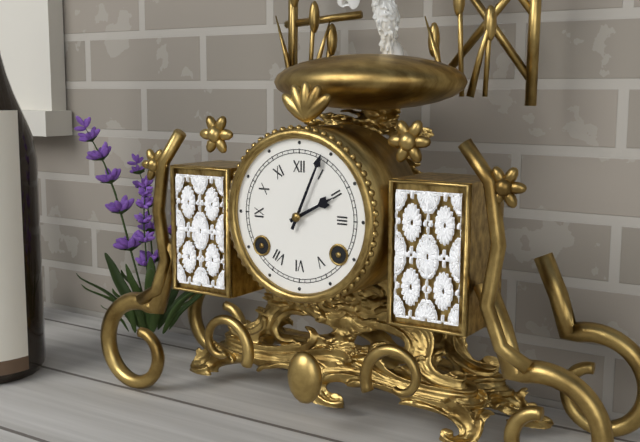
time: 2:04
